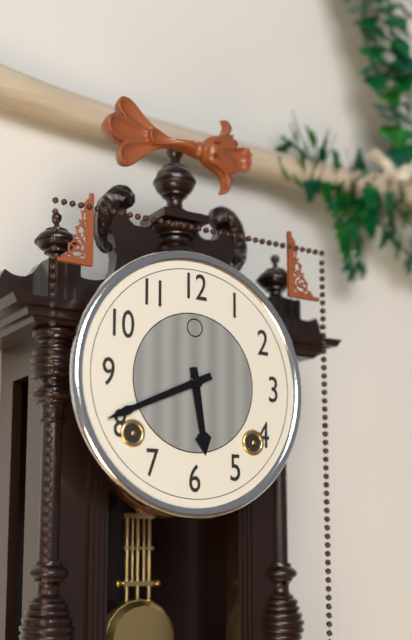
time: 5:41
